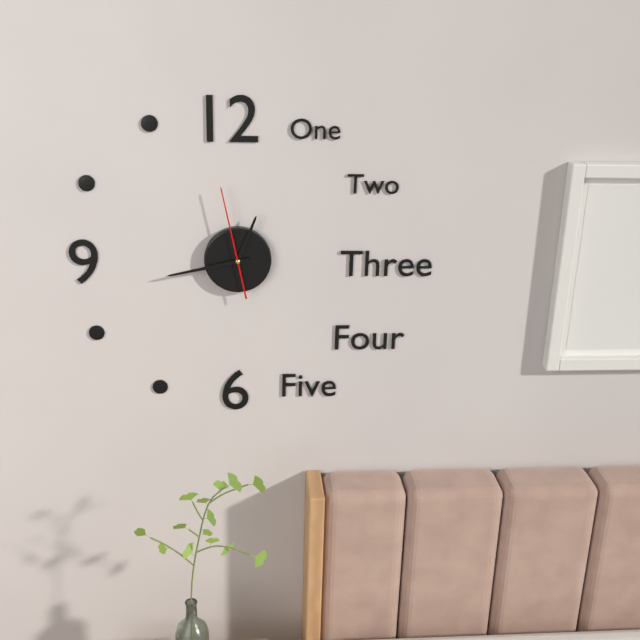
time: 12:43:58
